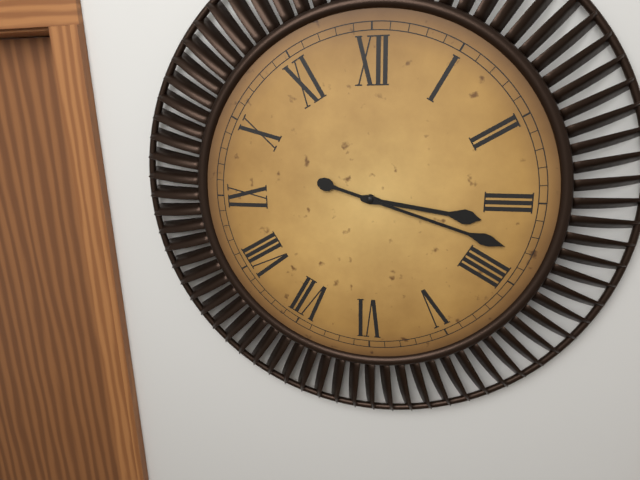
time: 3:18
